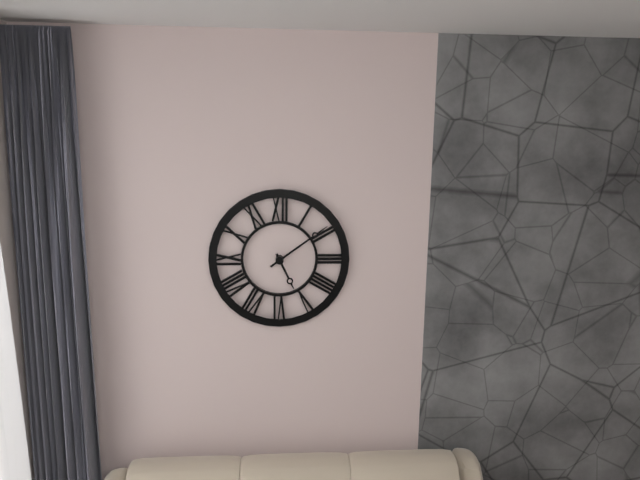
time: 5:09
